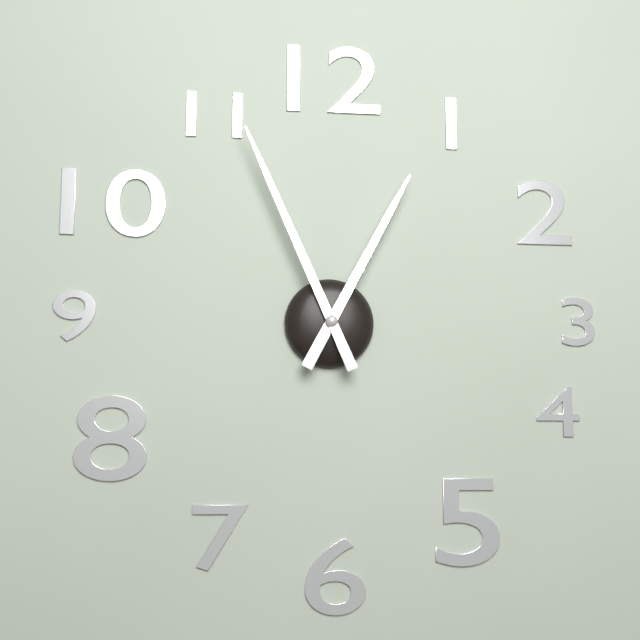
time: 12:56
